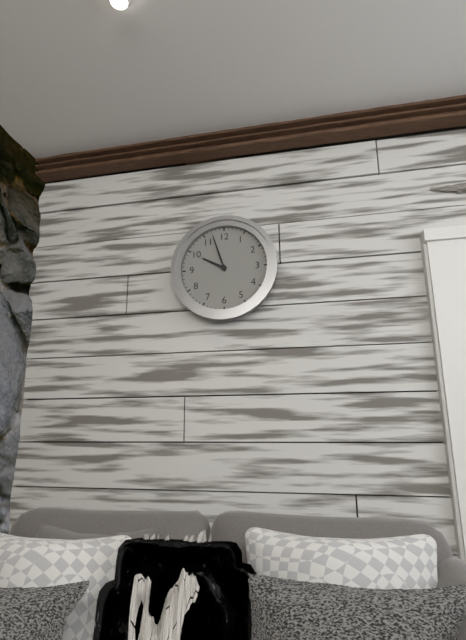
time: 9:57
